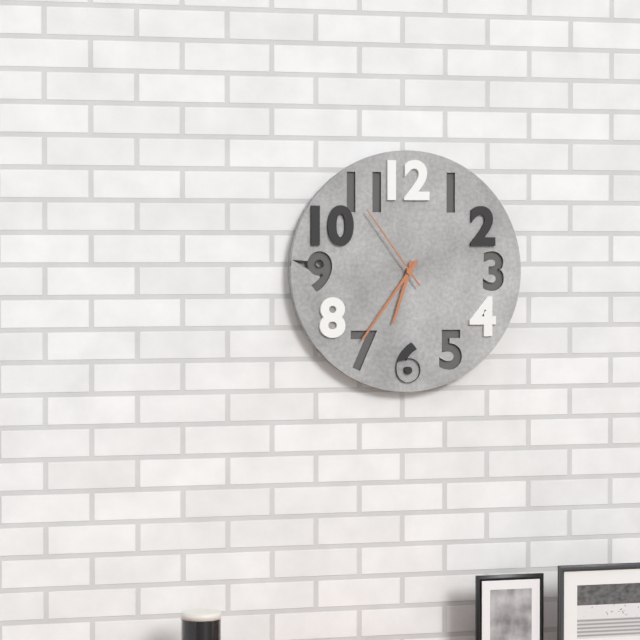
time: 6:36:54
